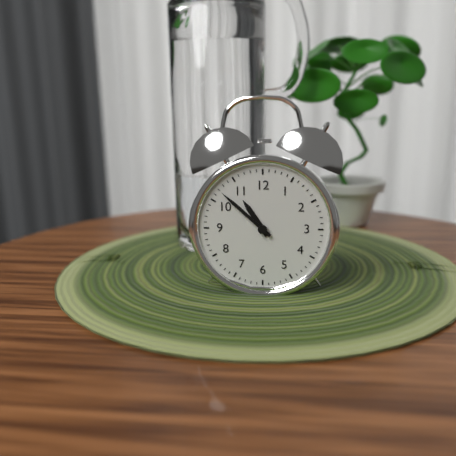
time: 10:52
